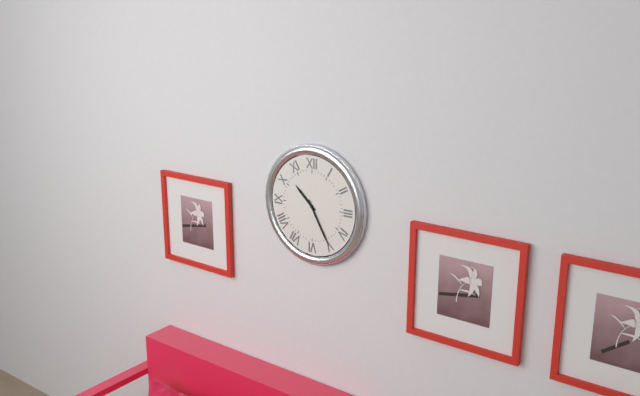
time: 10:25
